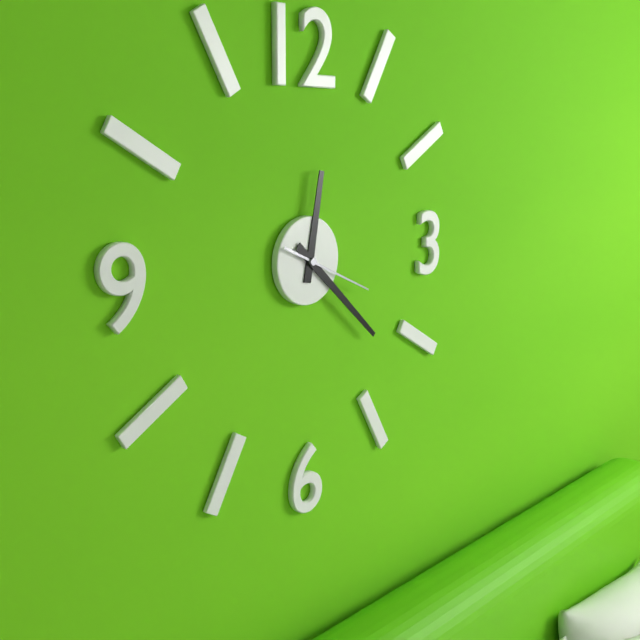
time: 12:22:19
